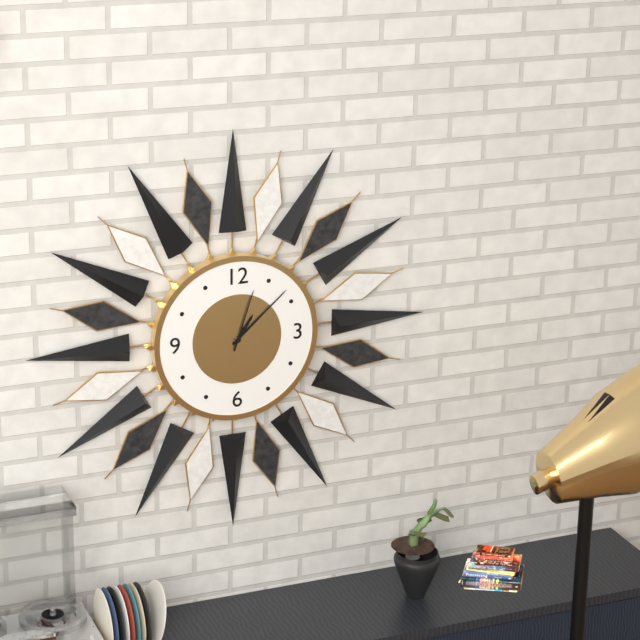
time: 1:08:03
